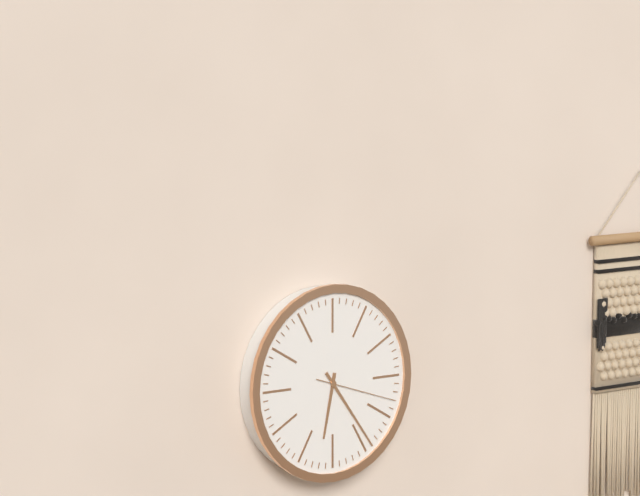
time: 6:24:18
